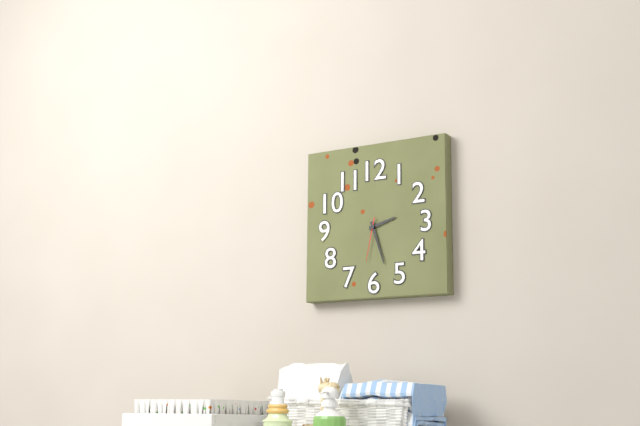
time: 2:27
